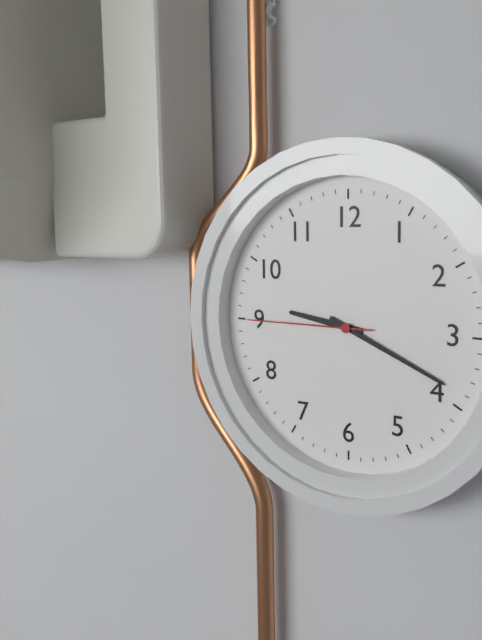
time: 9:19:45
